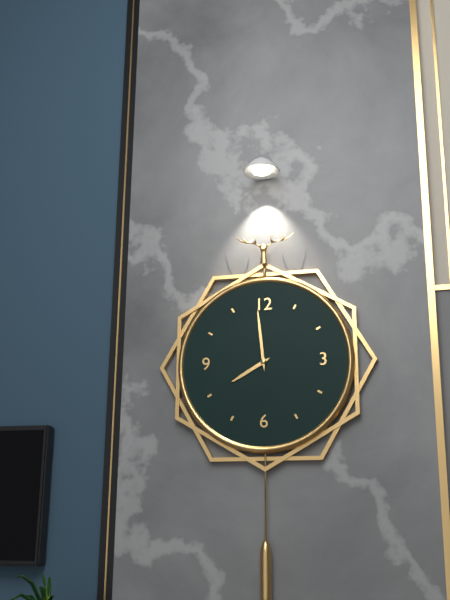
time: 7:59
